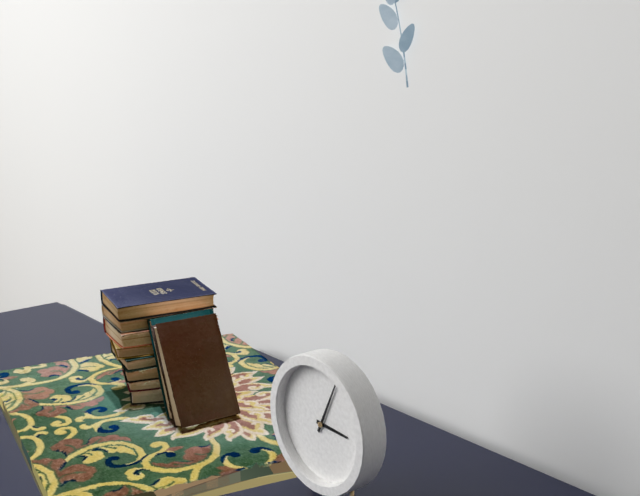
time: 3:04
